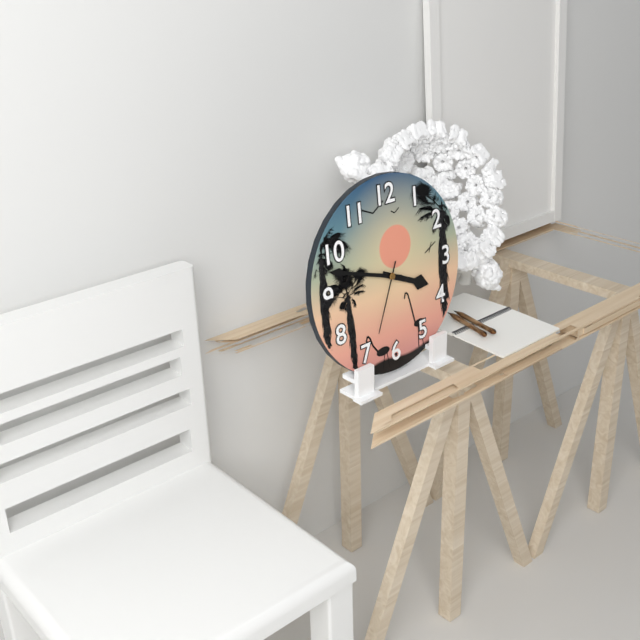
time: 3:48:34
